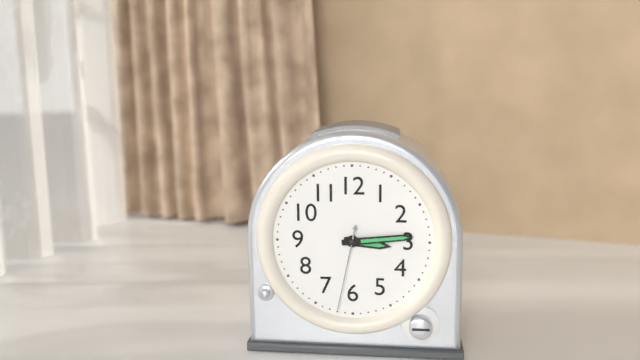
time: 3:14:32
